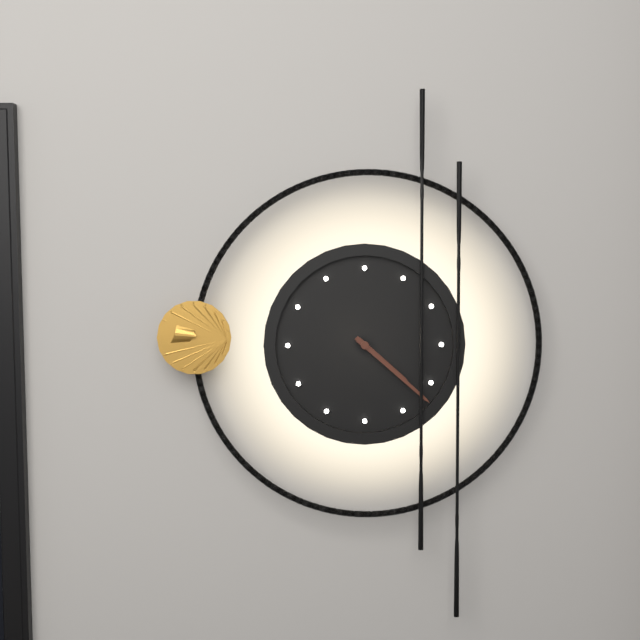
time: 4:22
